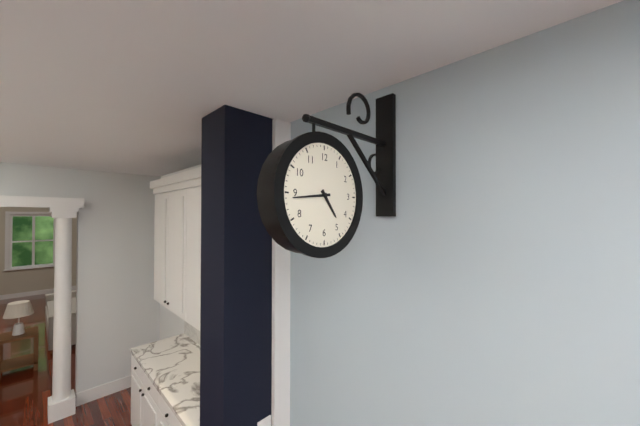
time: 4:44
